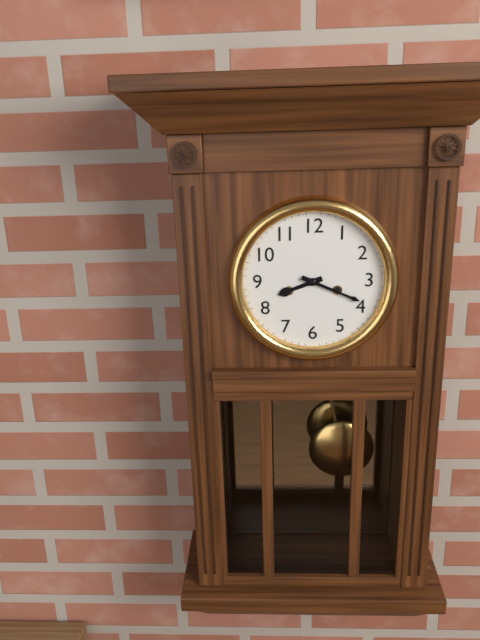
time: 8:19
